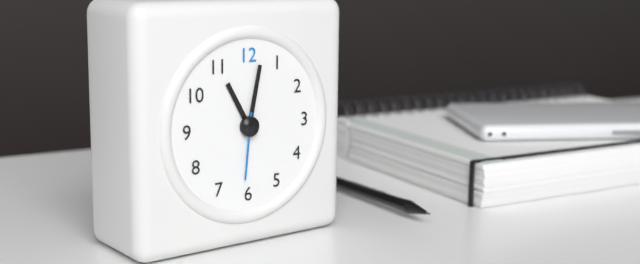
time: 11:02:31
